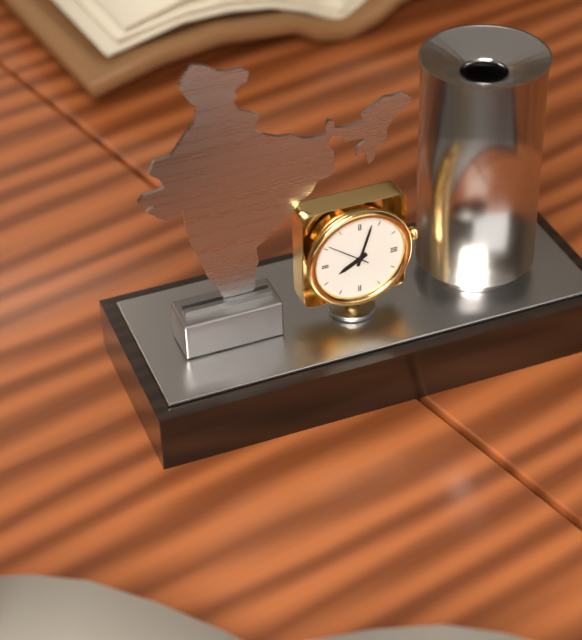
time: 8:03
